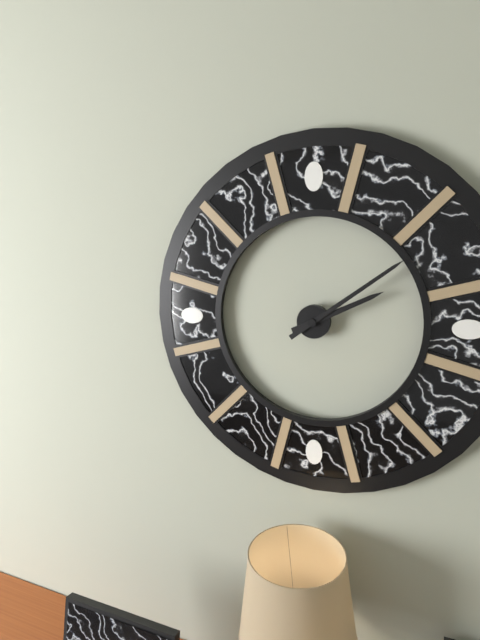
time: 2:09
